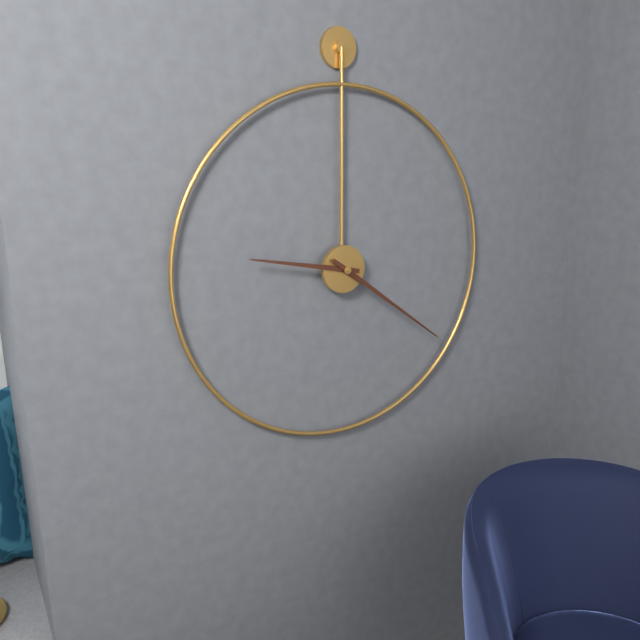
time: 9:21
